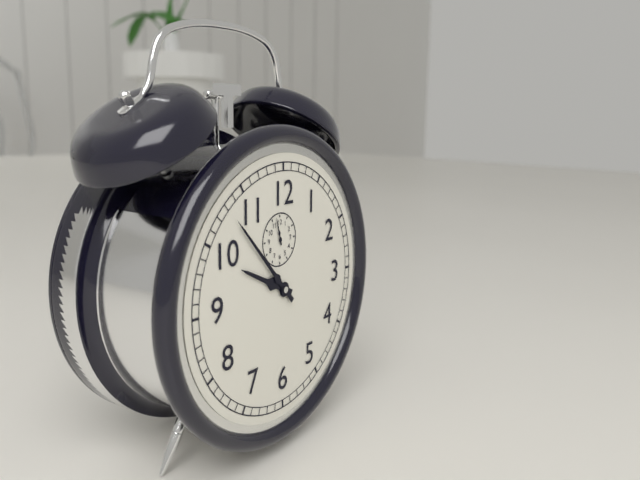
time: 9:53
